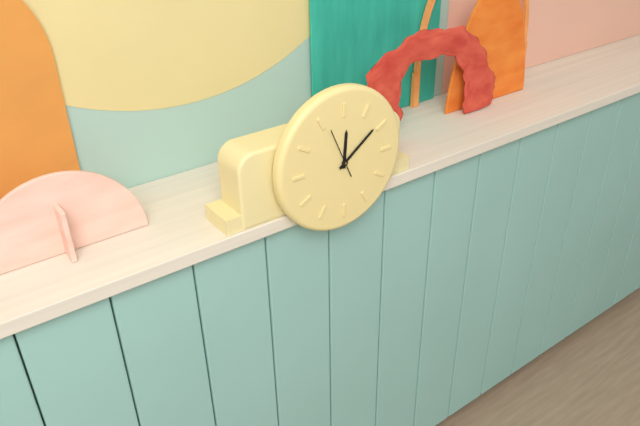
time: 12:09
